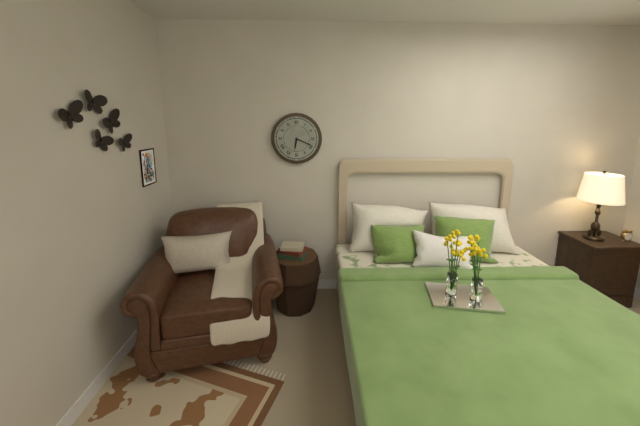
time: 6:19
